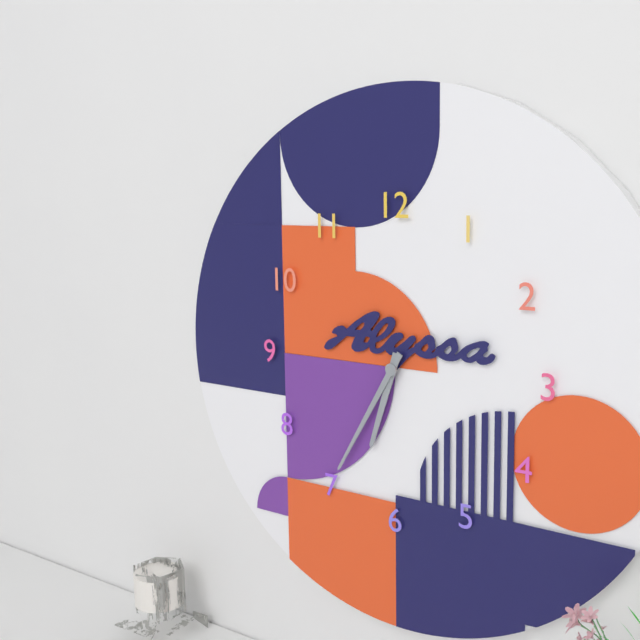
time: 6:35
